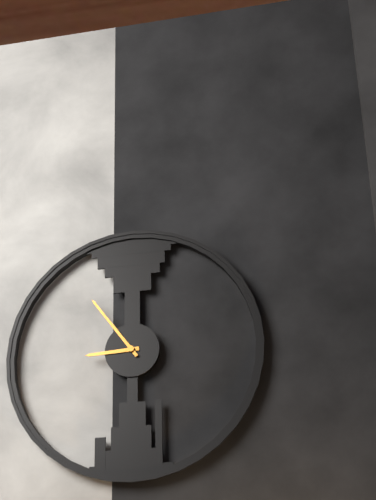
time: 8:54
